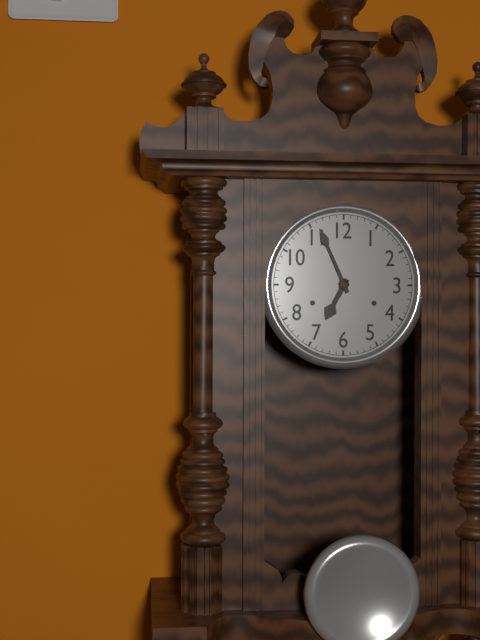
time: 6:56
